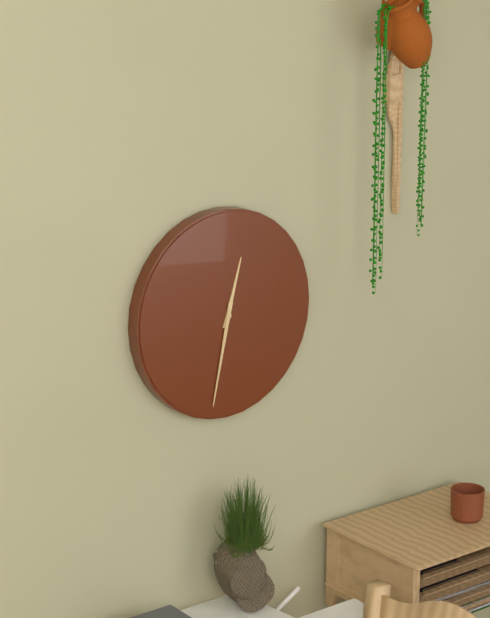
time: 12:32
